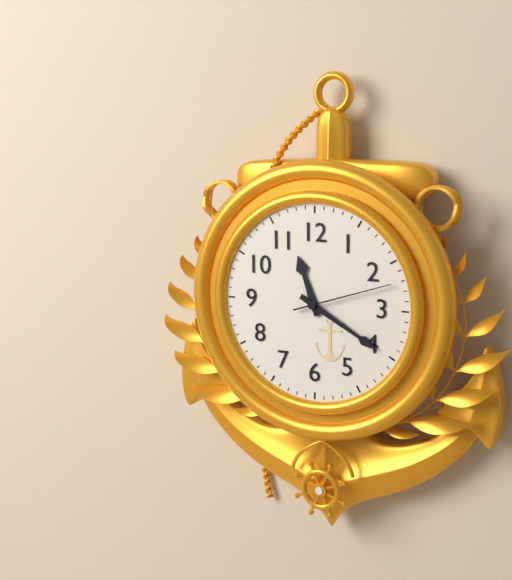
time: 11:20:12
